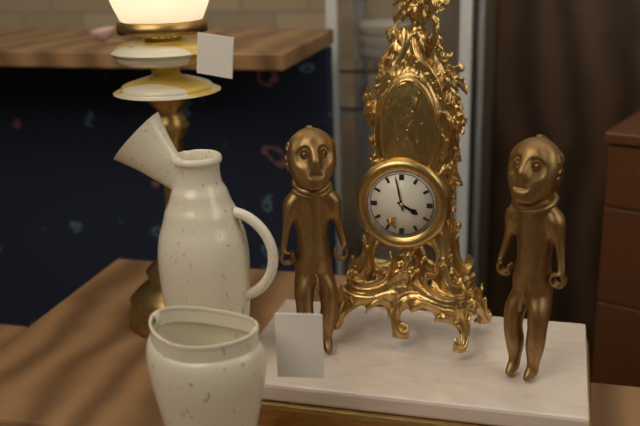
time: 3:58
